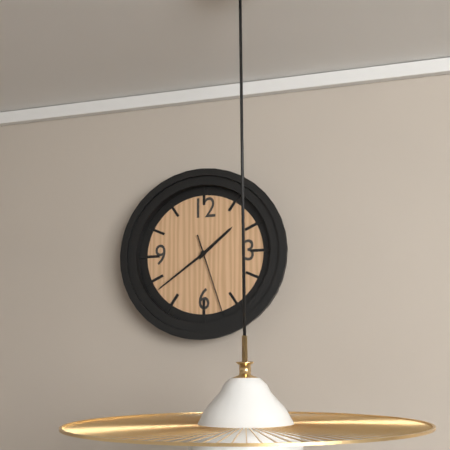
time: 1:39:27
